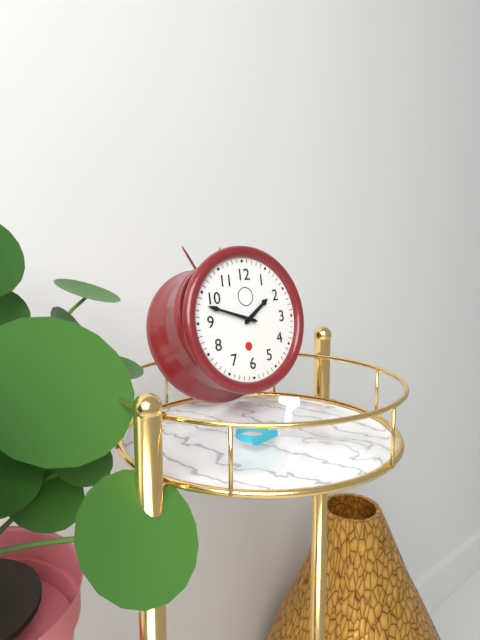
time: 1:48
